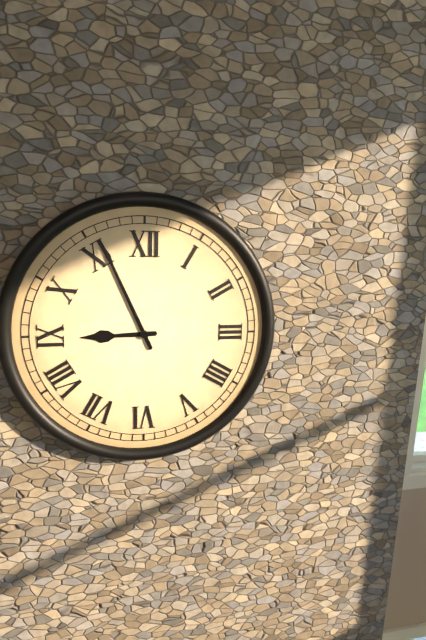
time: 8:56
